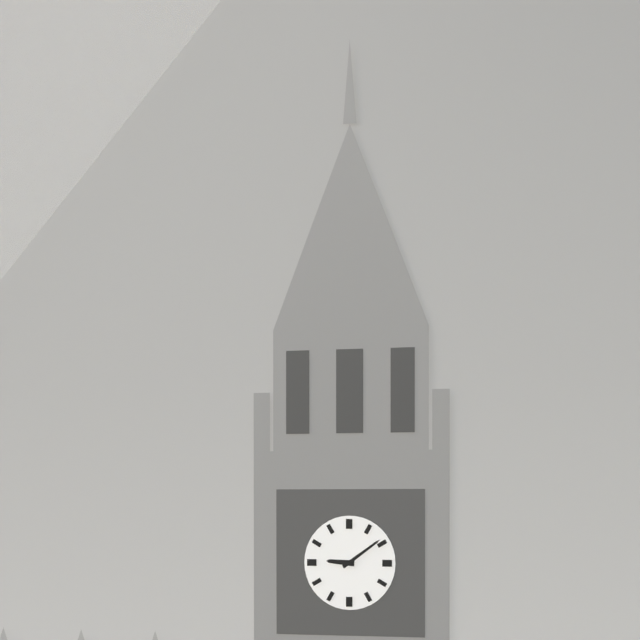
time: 9:09
